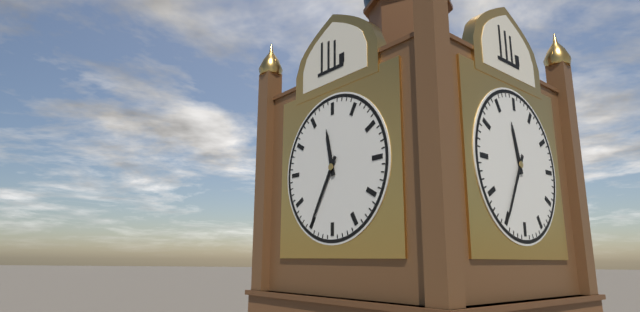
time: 11:35
